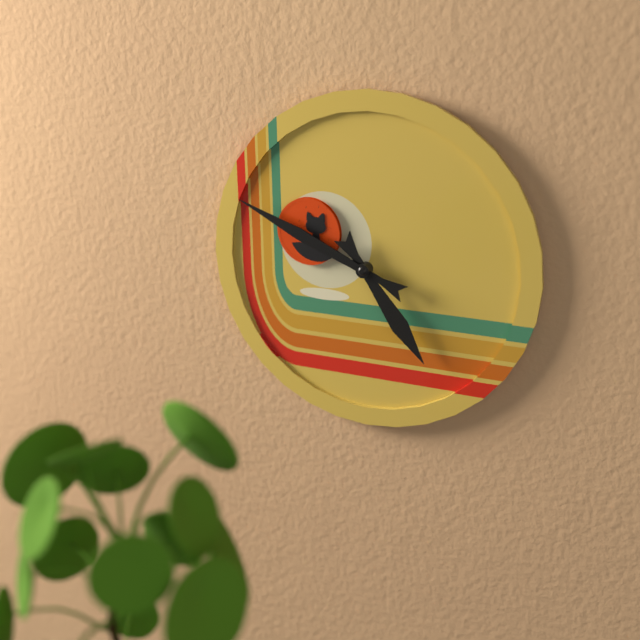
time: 4:49
